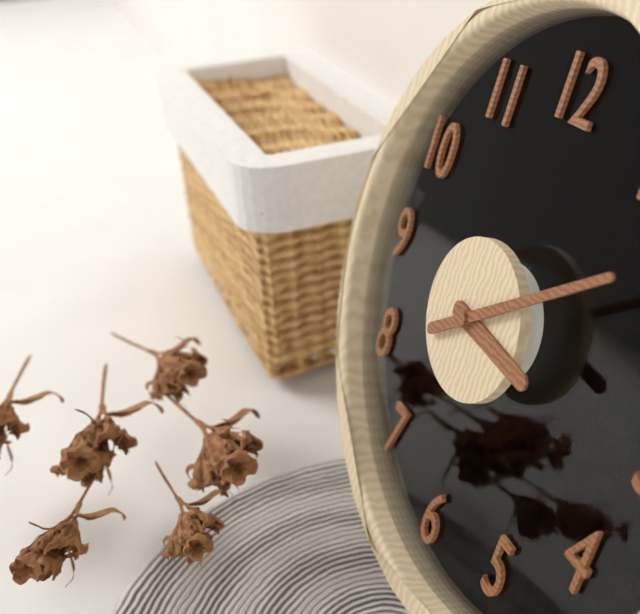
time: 3:09
